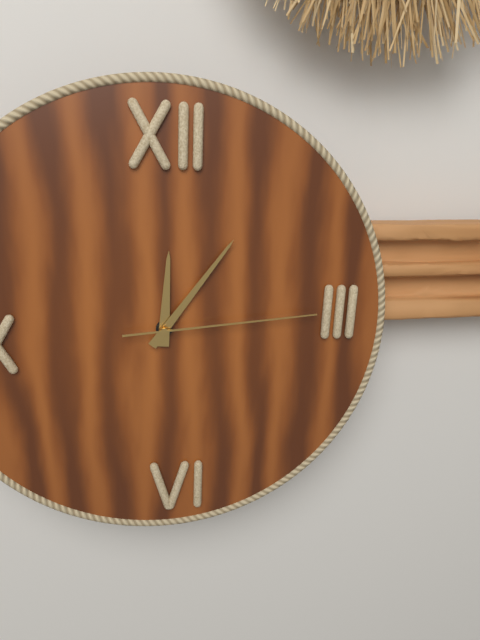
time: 12:06:14
